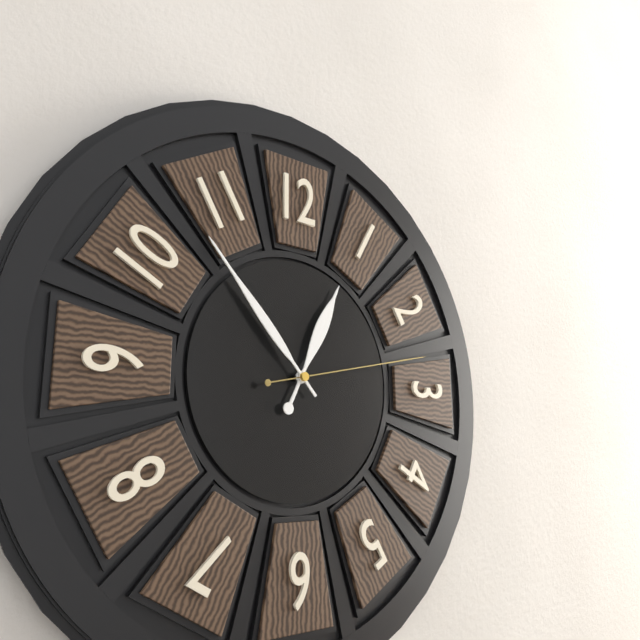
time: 12:53:13
